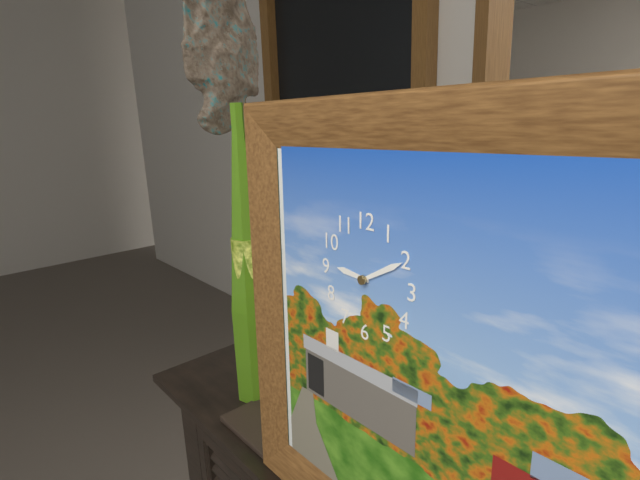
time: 9:10
